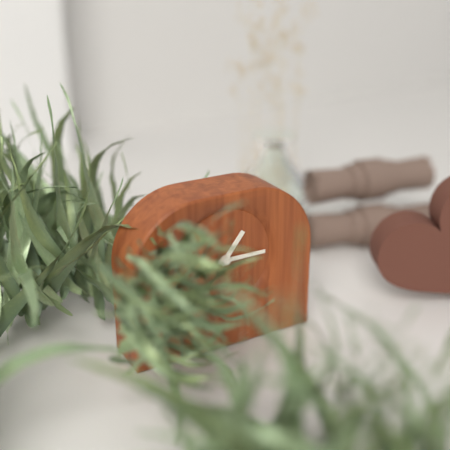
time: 1:15
